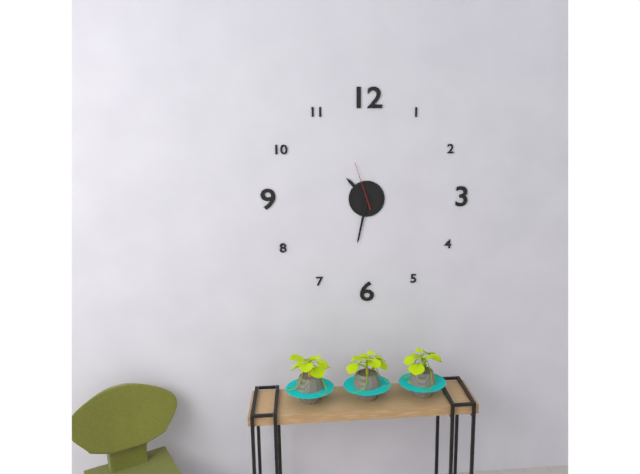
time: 10:32
